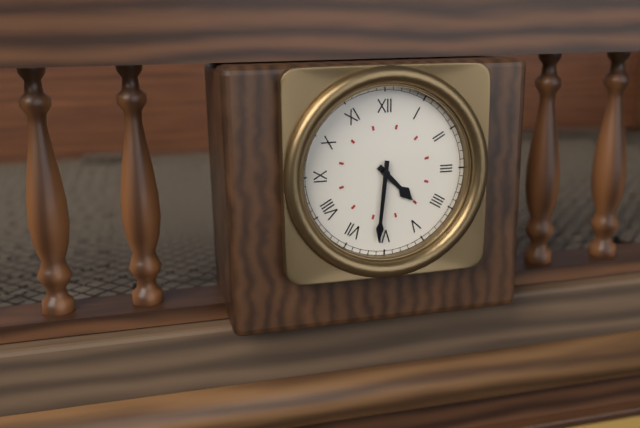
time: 4:31
